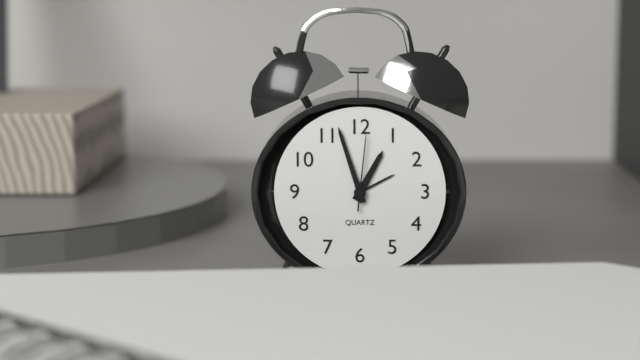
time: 12:57:01
